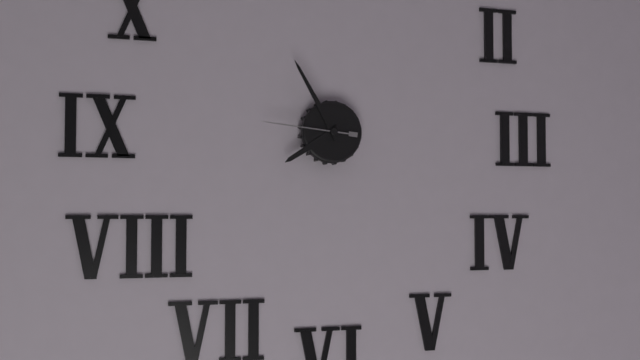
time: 7:55:46
